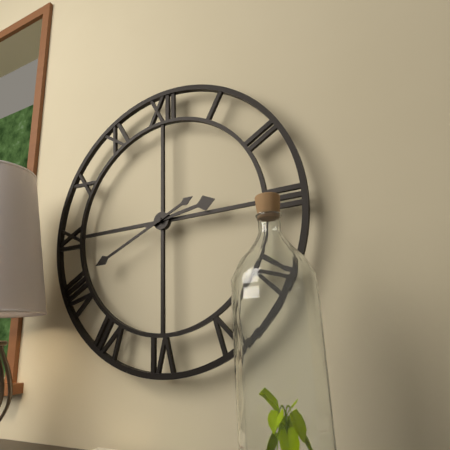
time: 2:41
